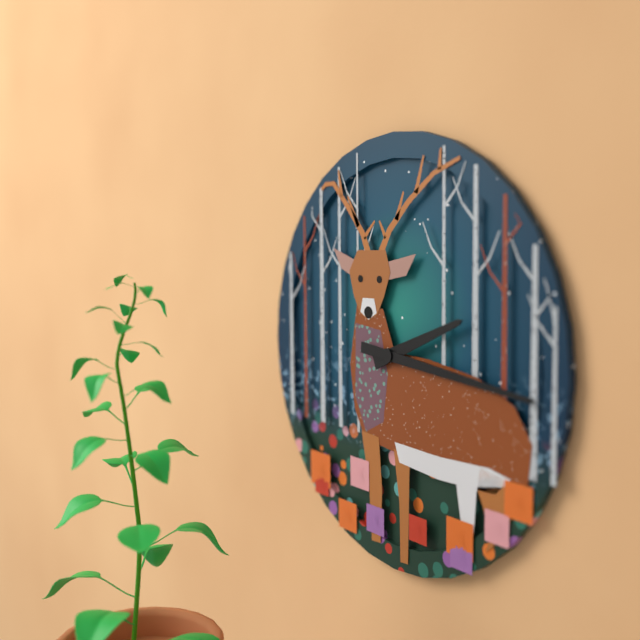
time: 2:16
